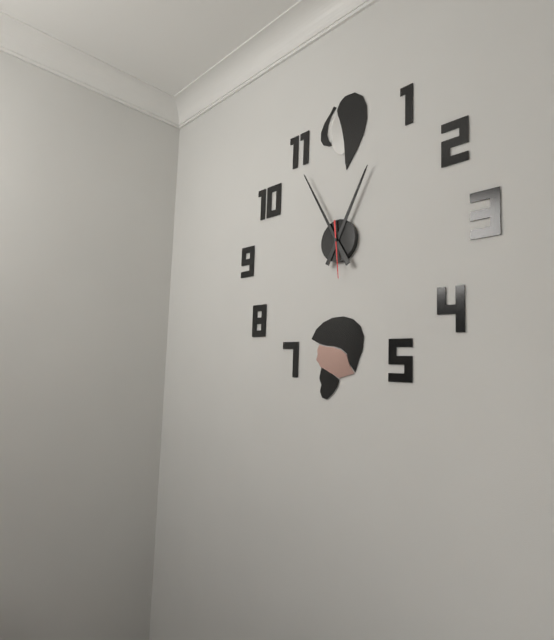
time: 12:55
